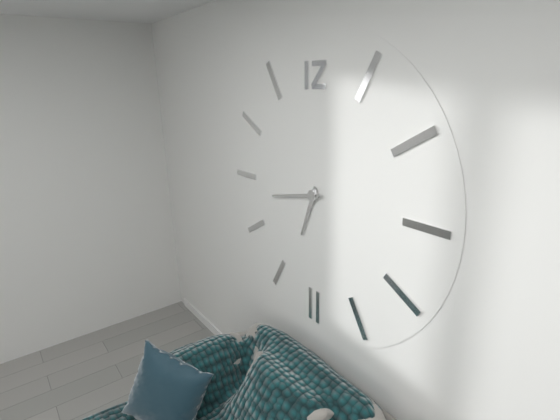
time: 6:43
